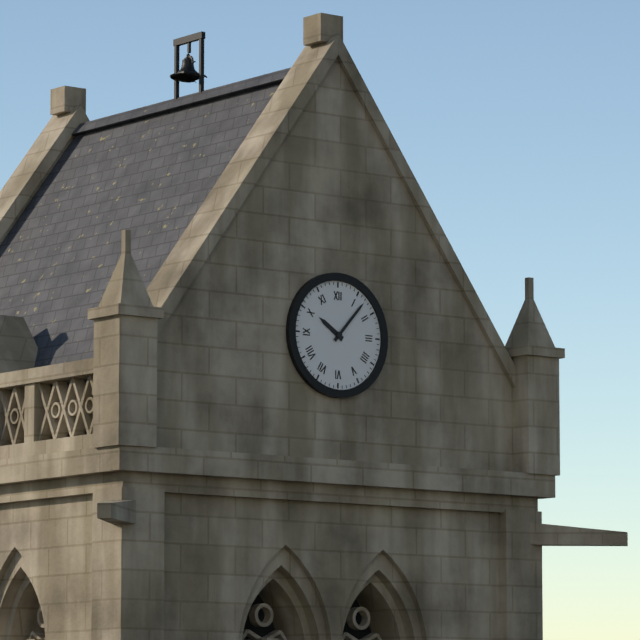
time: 10:07
